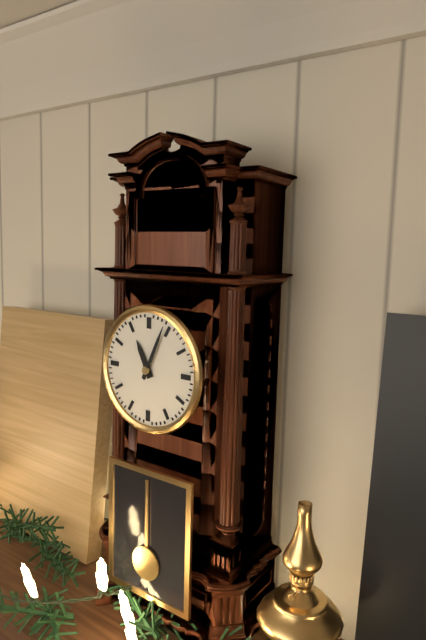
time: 11:04
